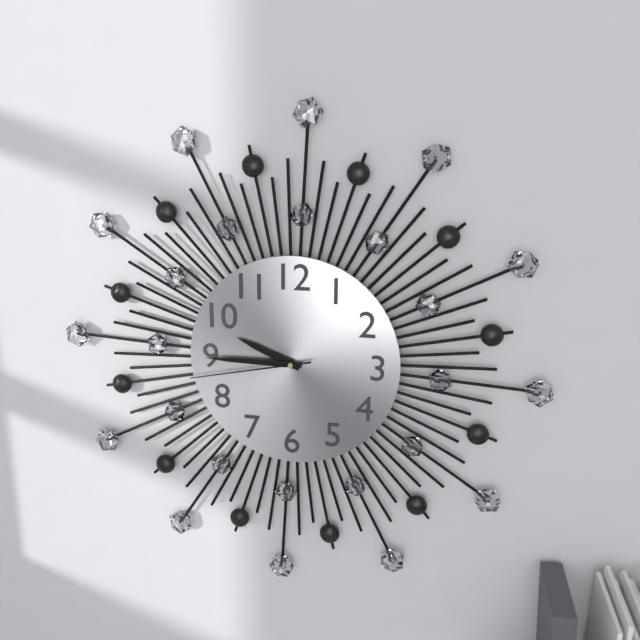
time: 9:45:43
